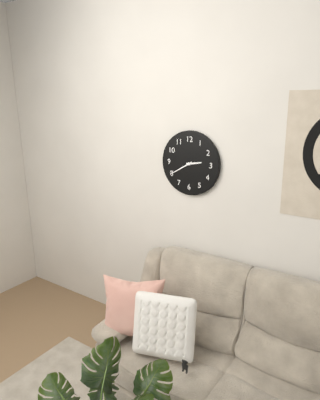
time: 2:40
